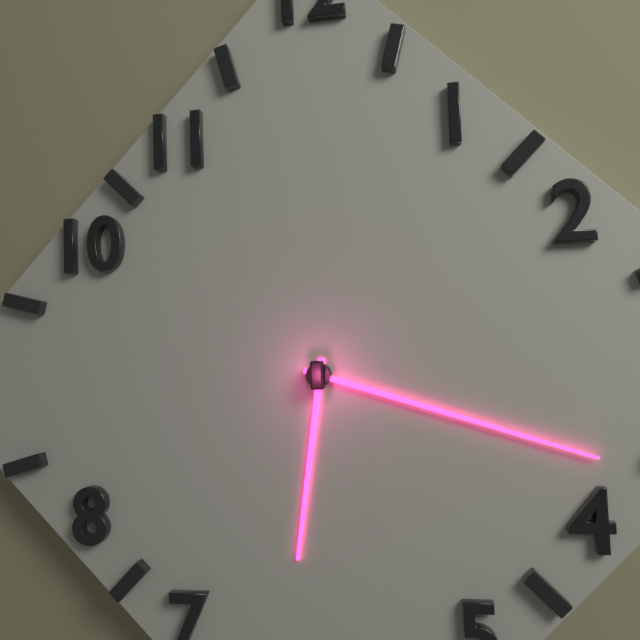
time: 6:18
